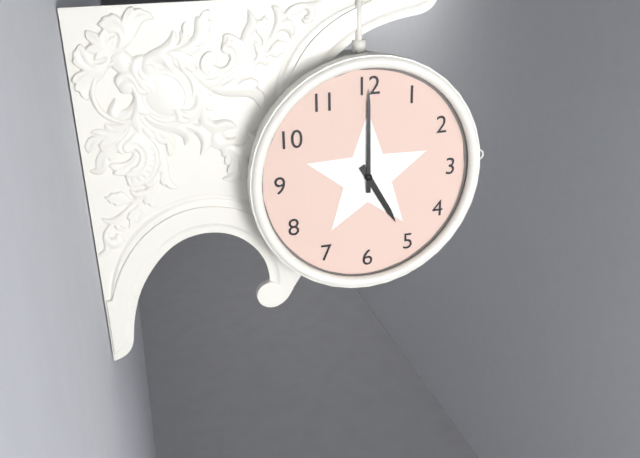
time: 5:00
